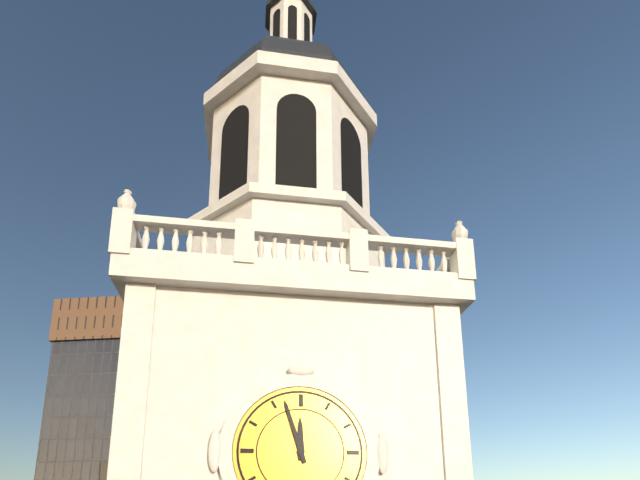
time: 11:57
